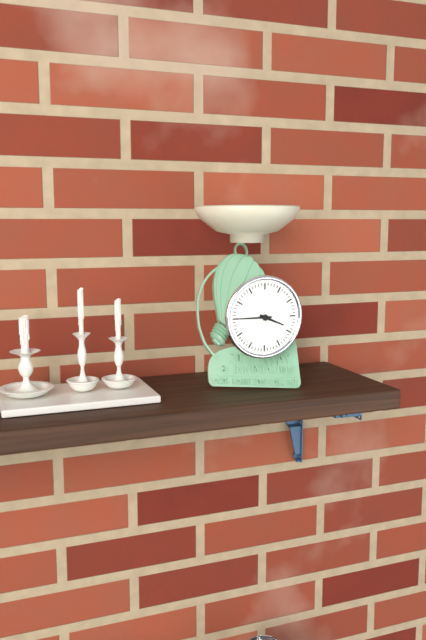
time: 3:45
